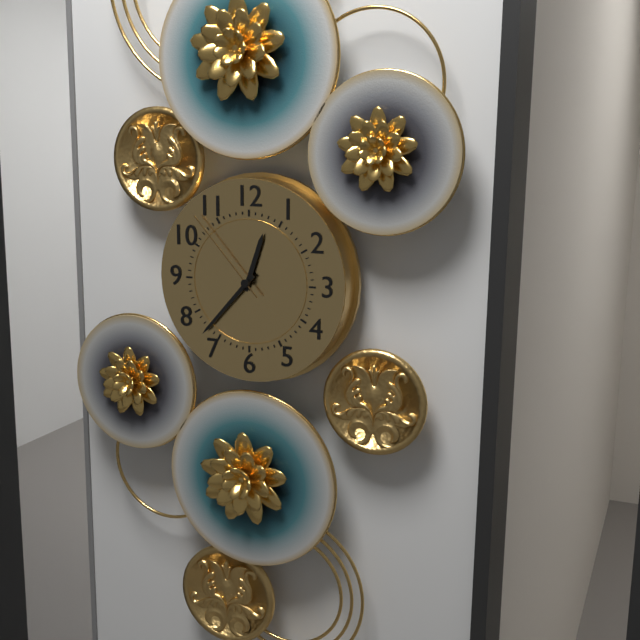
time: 12:37:53
